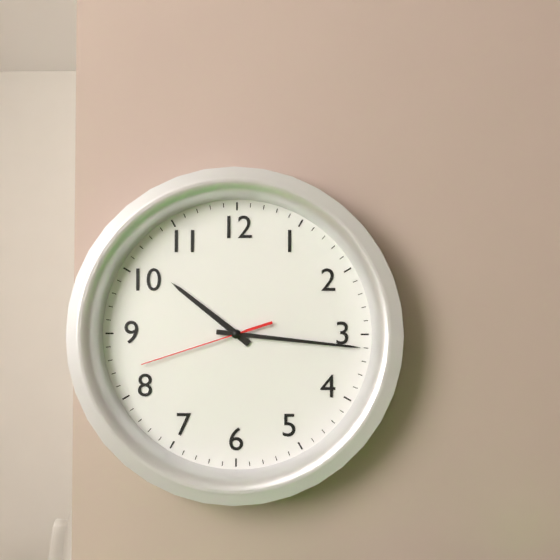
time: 10:16:42
